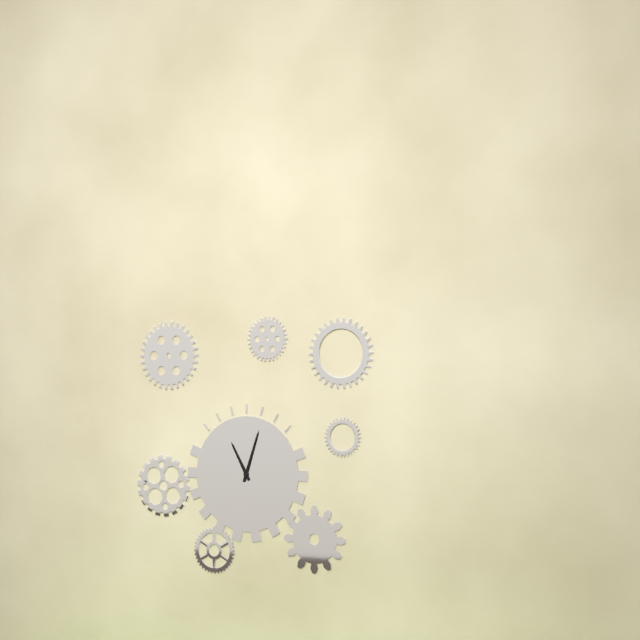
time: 11:03
